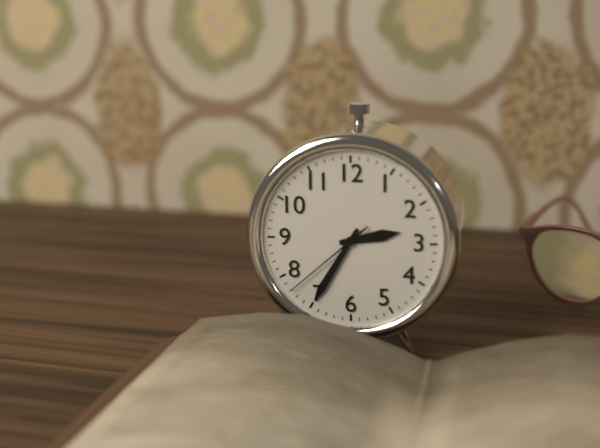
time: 2:35:38
